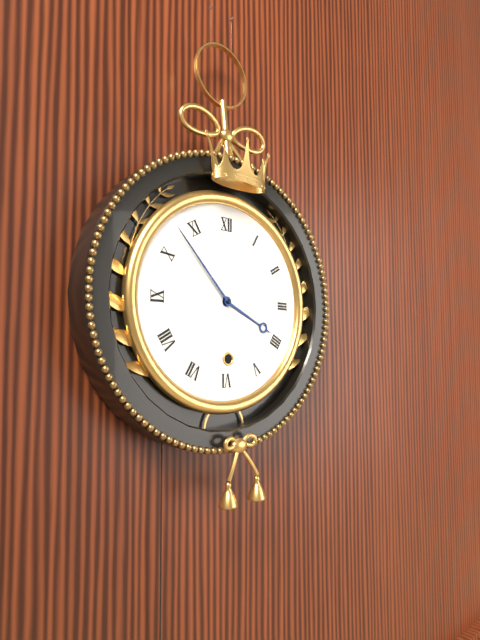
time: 3:53
